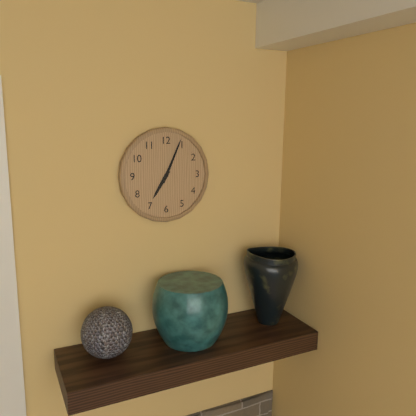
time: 7:04
